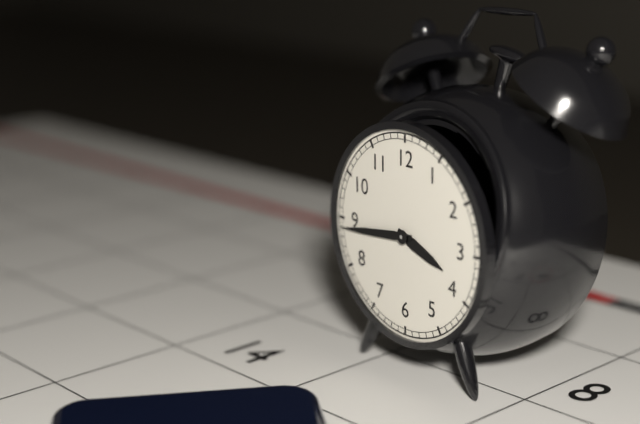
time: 3:44
